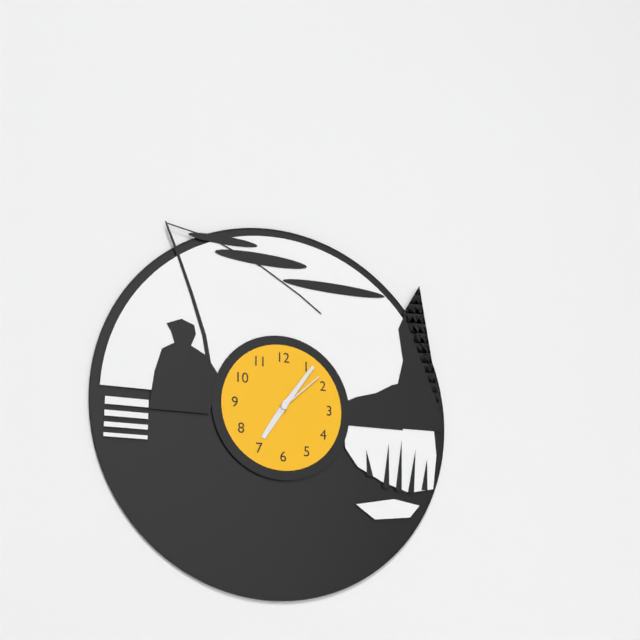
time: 7:06:08
